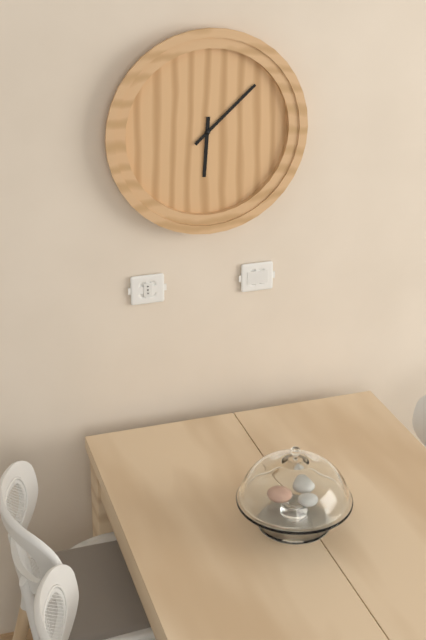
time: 6:08
